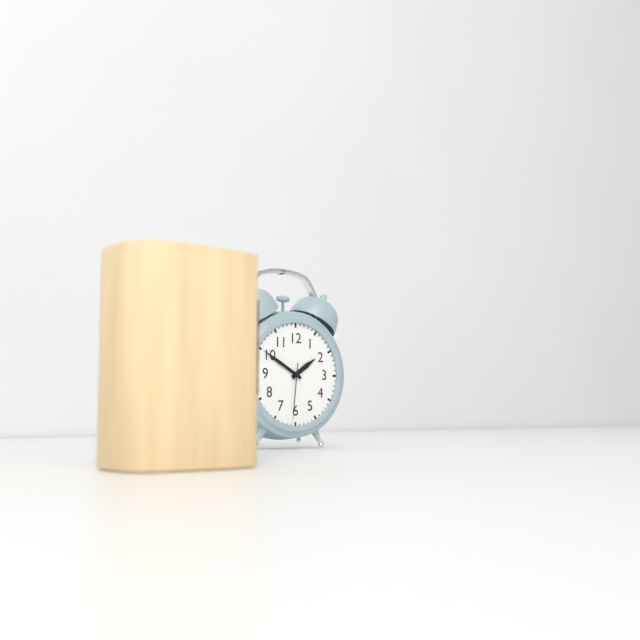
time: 1:50:31
